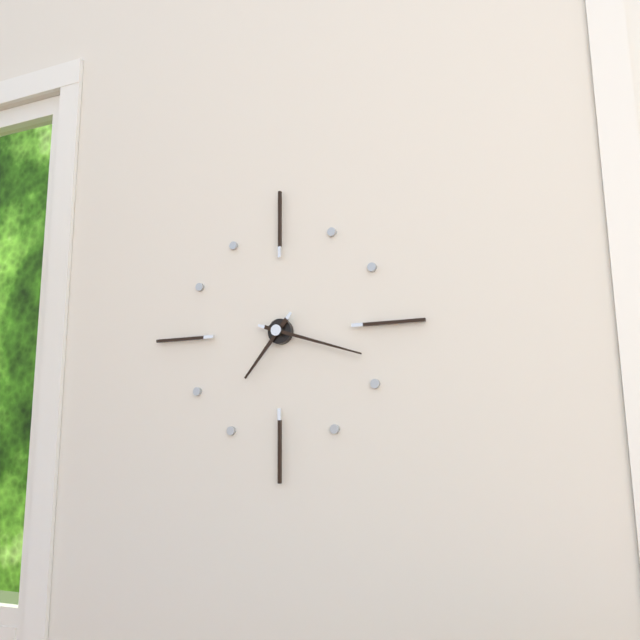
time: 7:18
